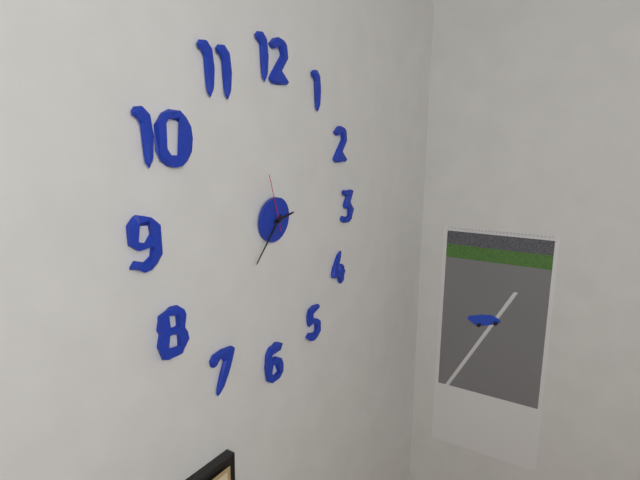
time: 2:37:57
